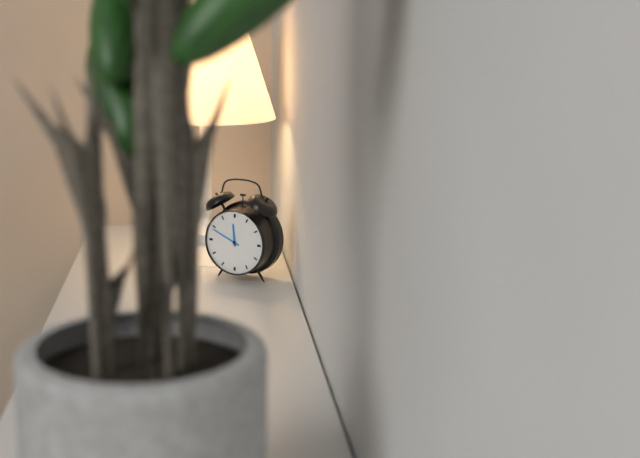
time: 11:49
